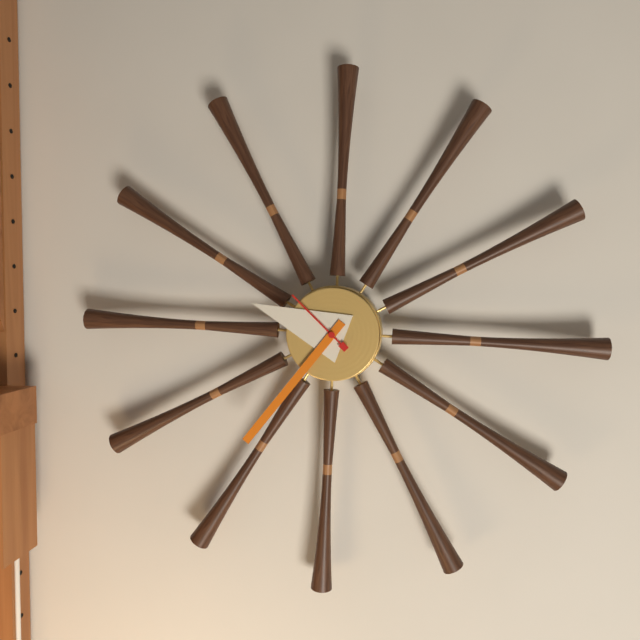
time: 9:36:52
